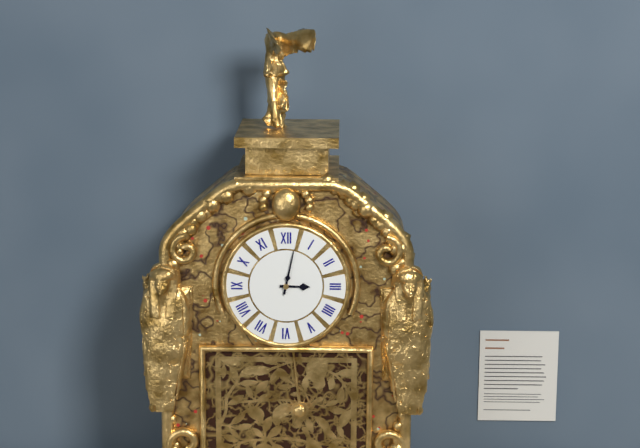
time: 3:02
